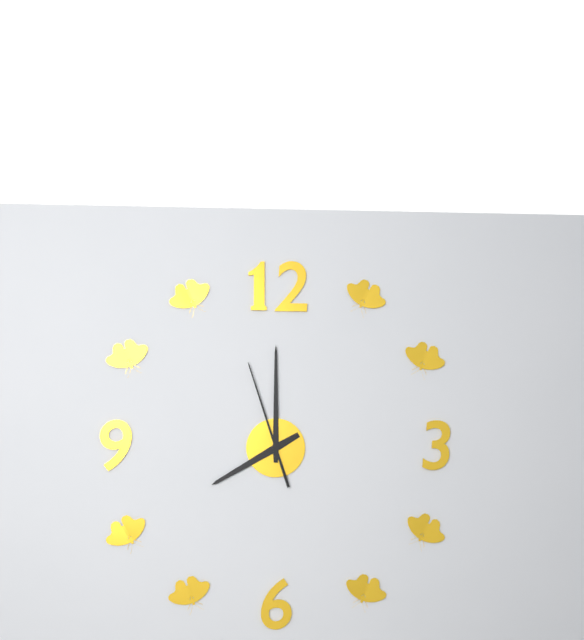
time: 8:00:57
